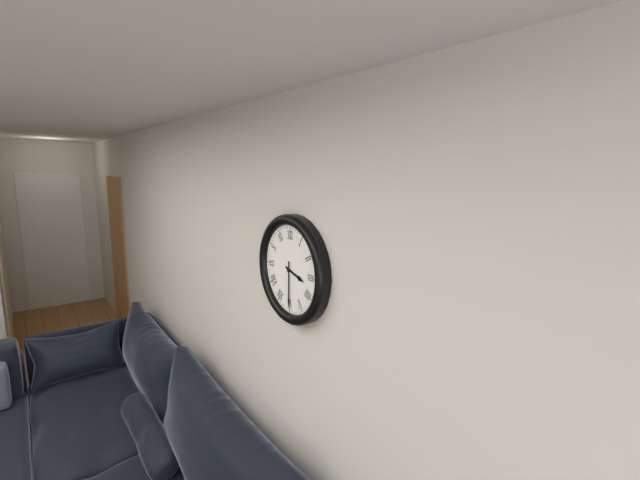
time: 3:30
